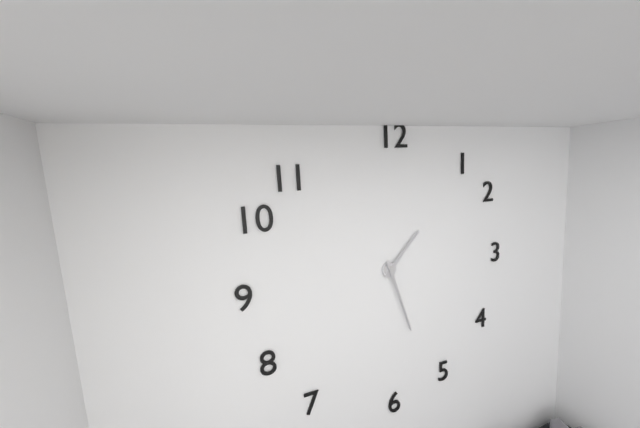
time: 1:27
